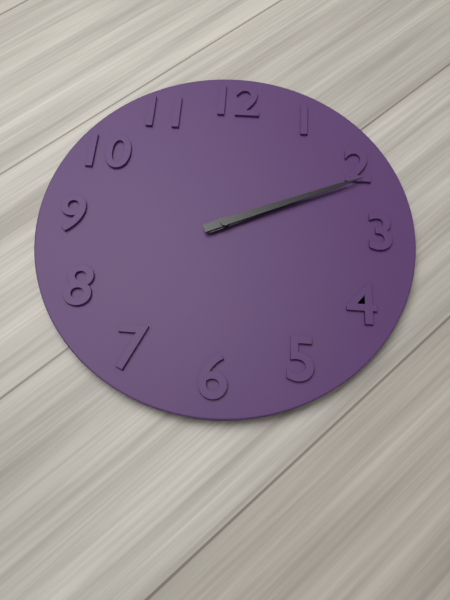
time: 2:11
